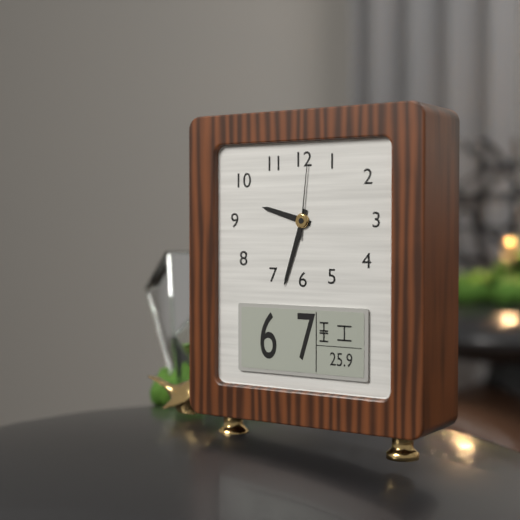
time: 9:33:01
